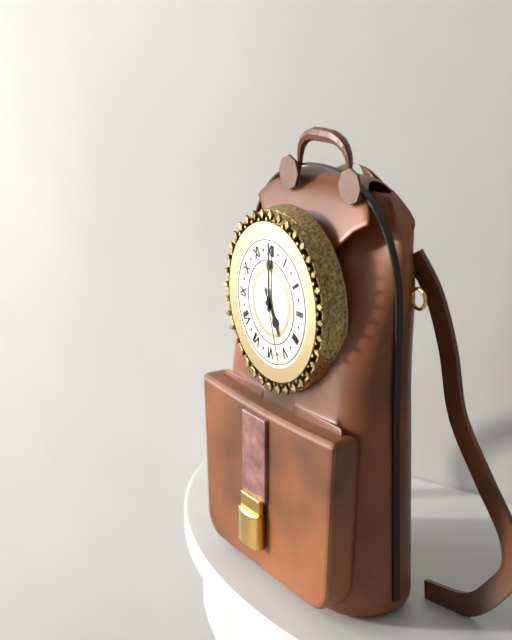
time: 5:00:27
